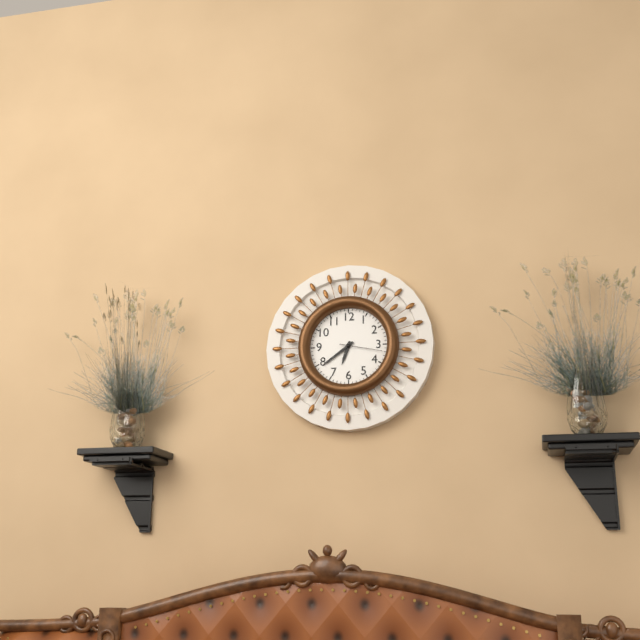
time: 6:39
